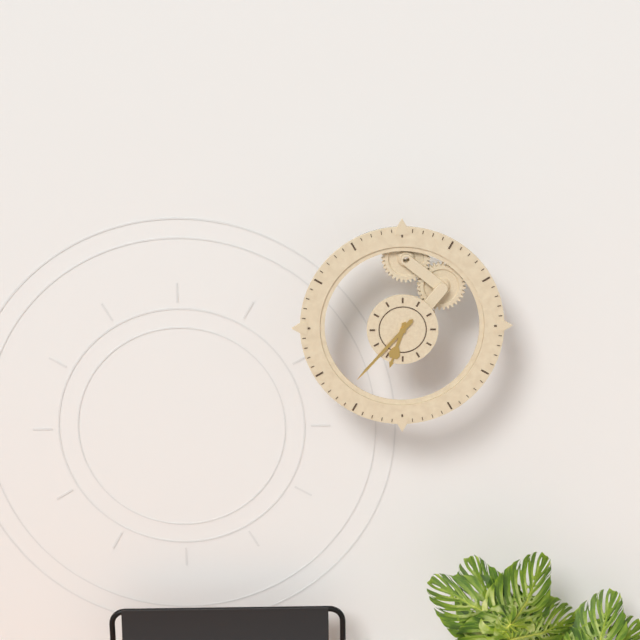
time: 6:37
